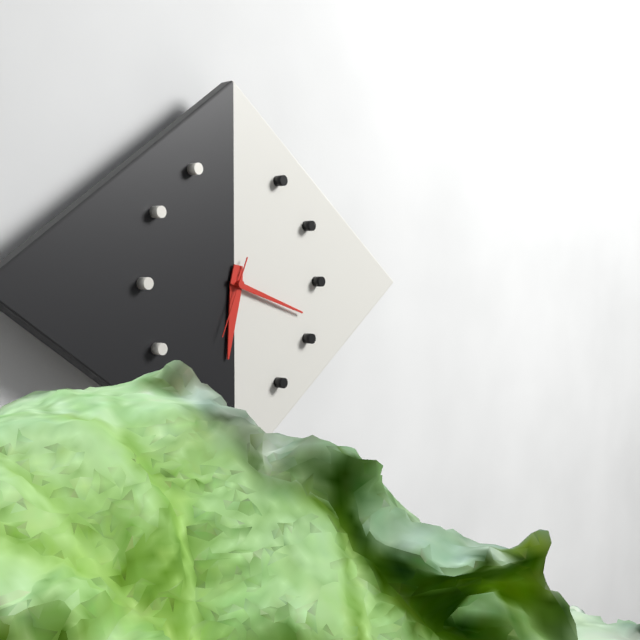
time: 6:18:34
